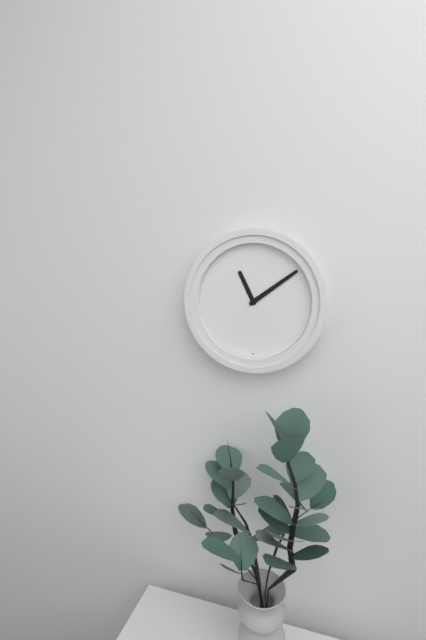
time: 11:09
